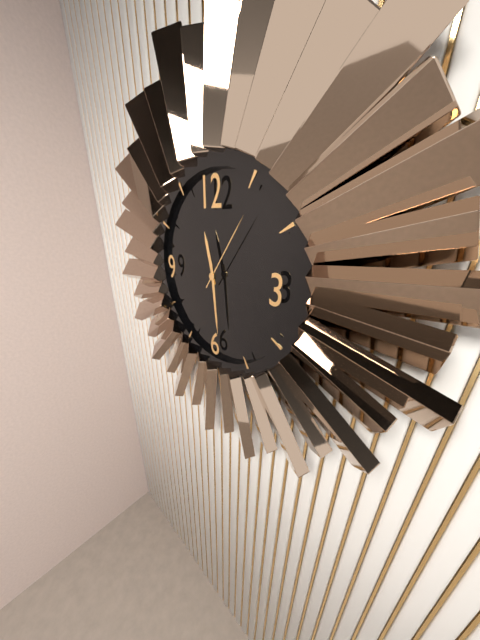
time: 11:29:06
